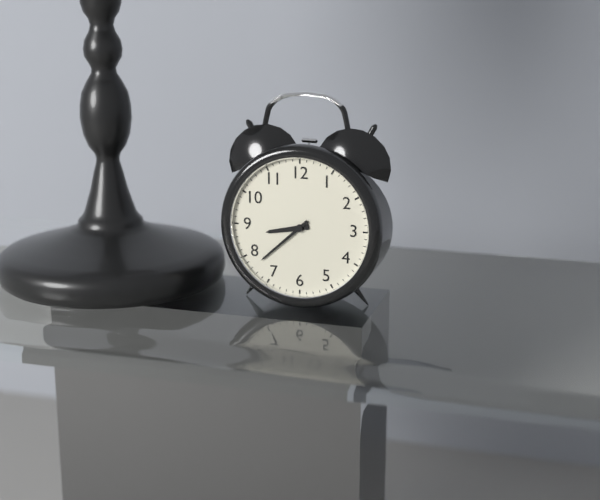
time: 8:38
